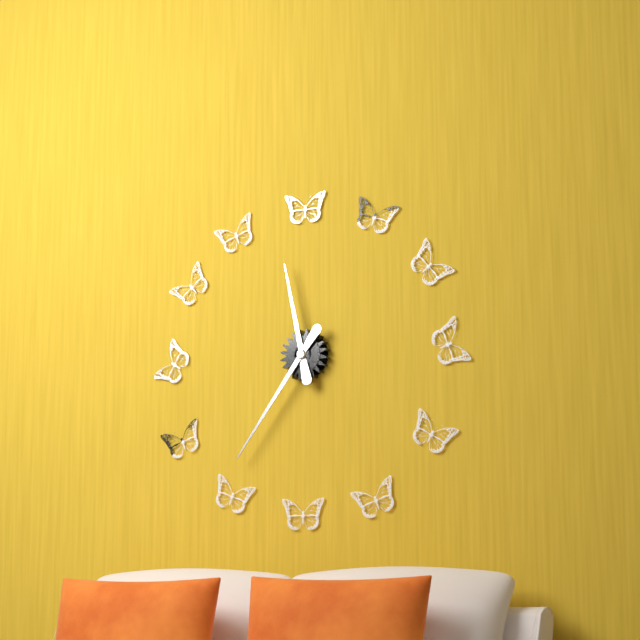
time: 11:36
